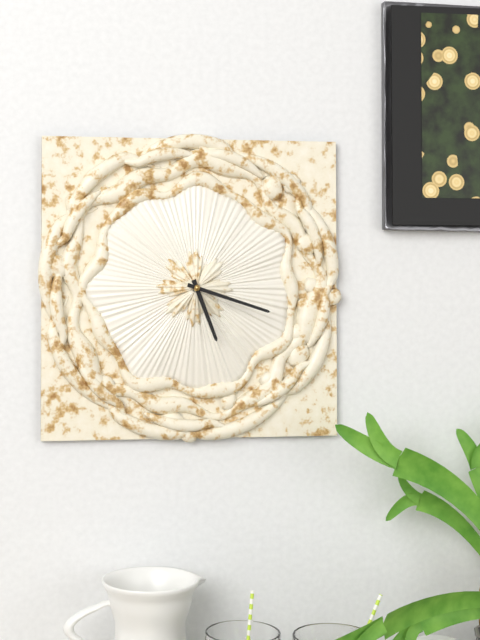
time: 5:18
